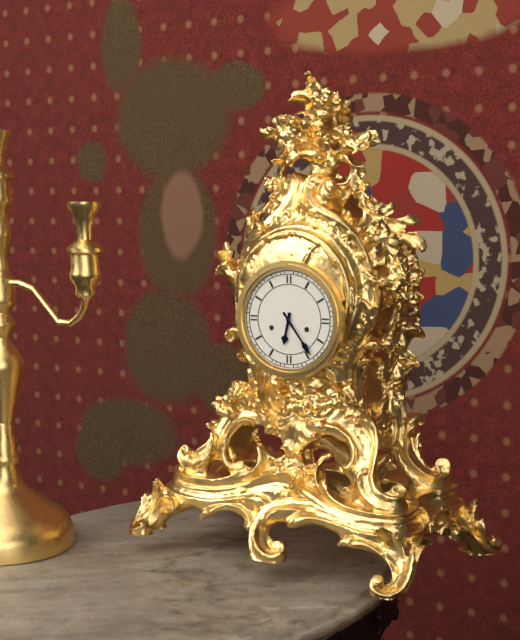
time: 6:24
